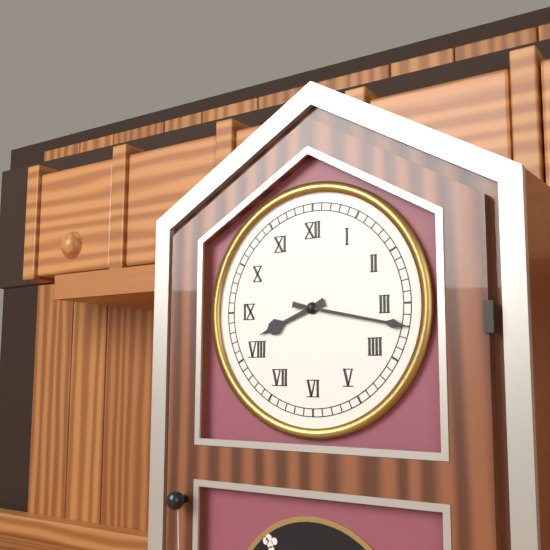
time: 8:17
